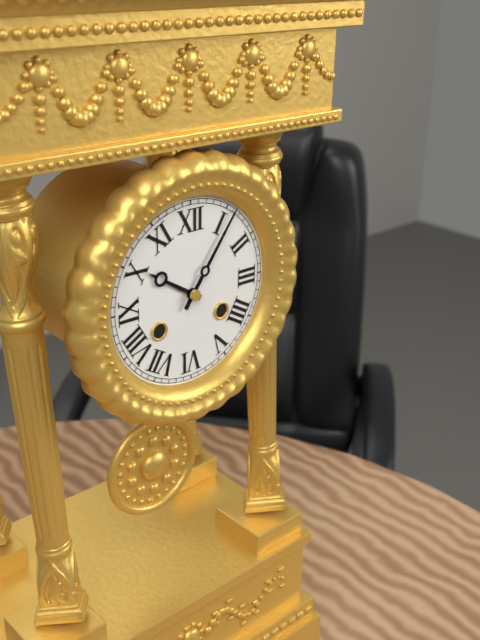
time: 10:06
